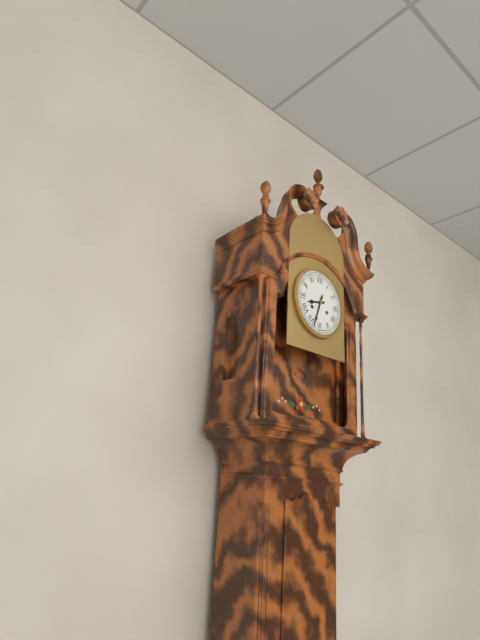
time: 8:33
